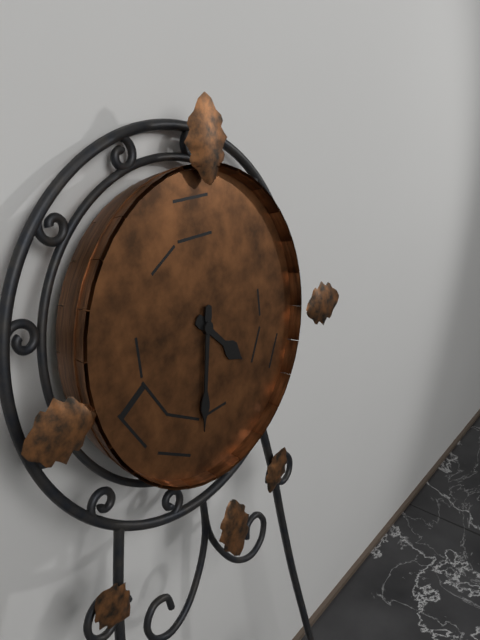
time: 4:32
